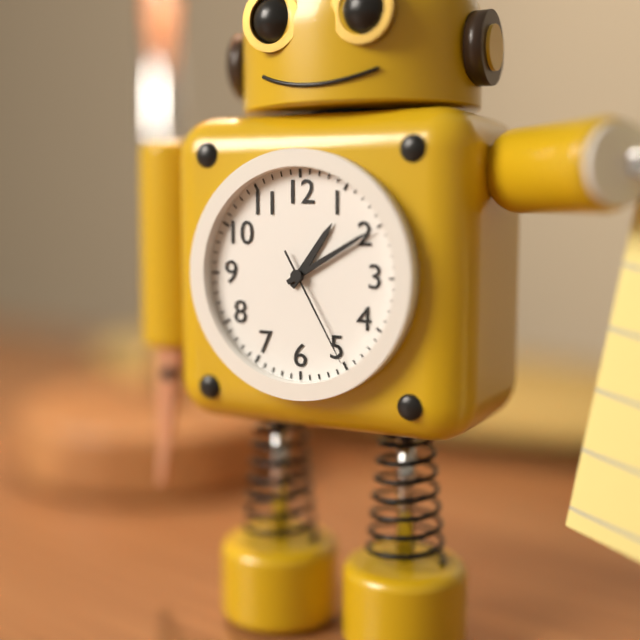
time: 1:10:25
